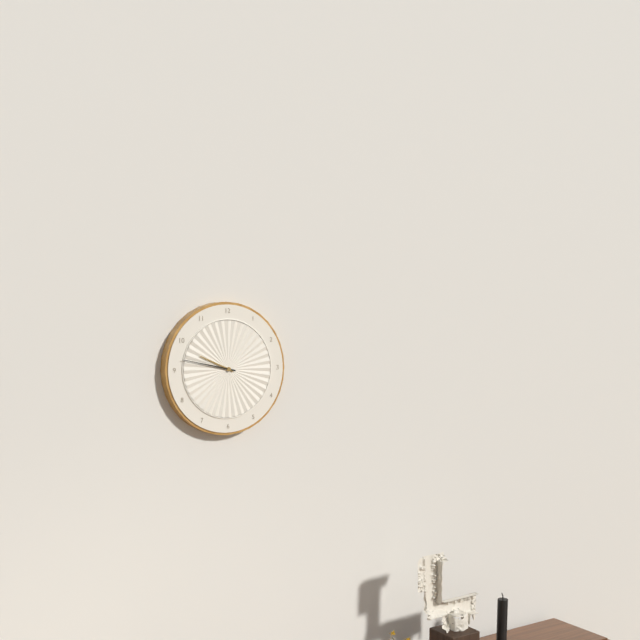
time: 9:47
